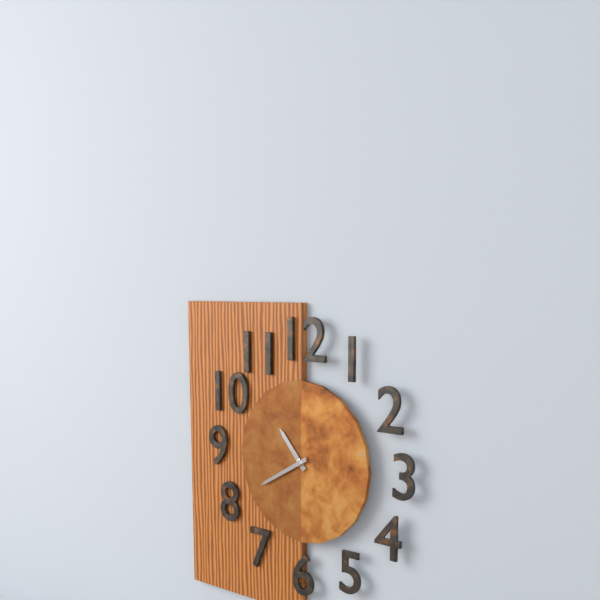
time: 10:40
